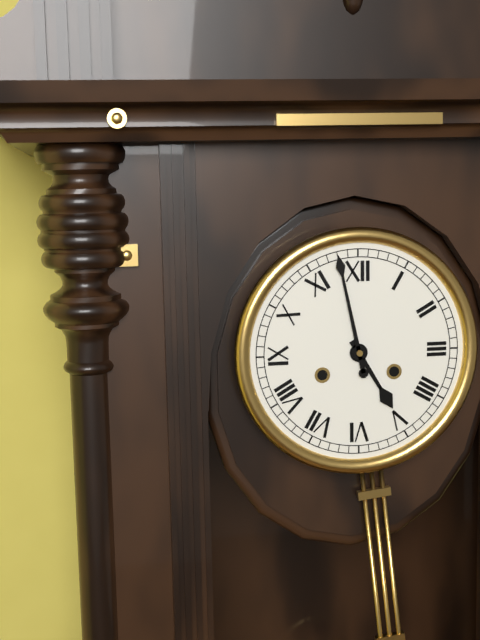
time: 4:58
